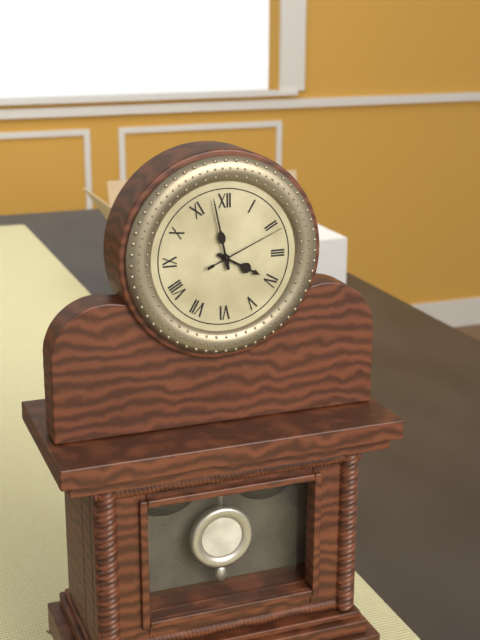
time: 3:58:11
